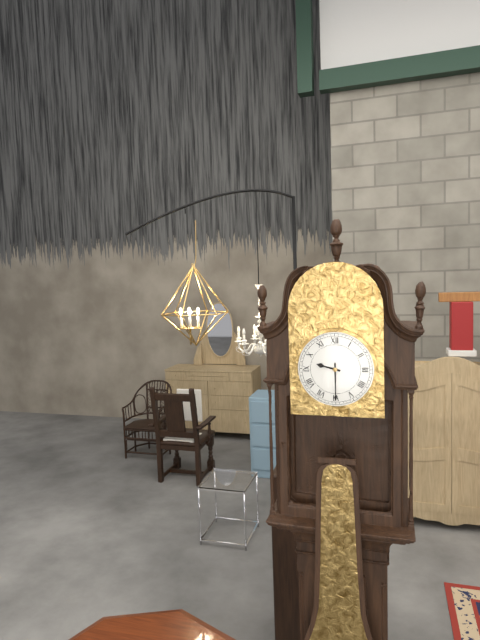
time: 9:30
